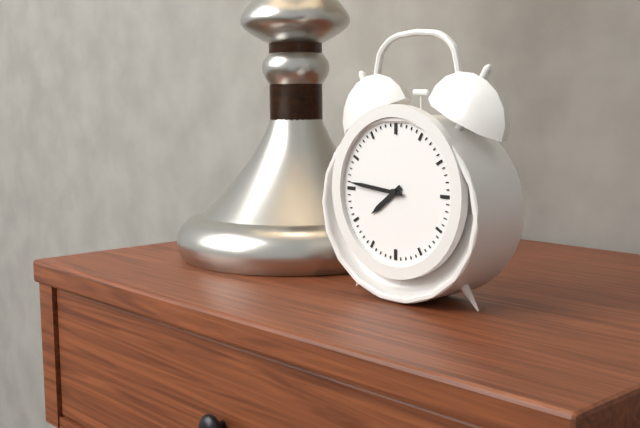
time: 7:46
